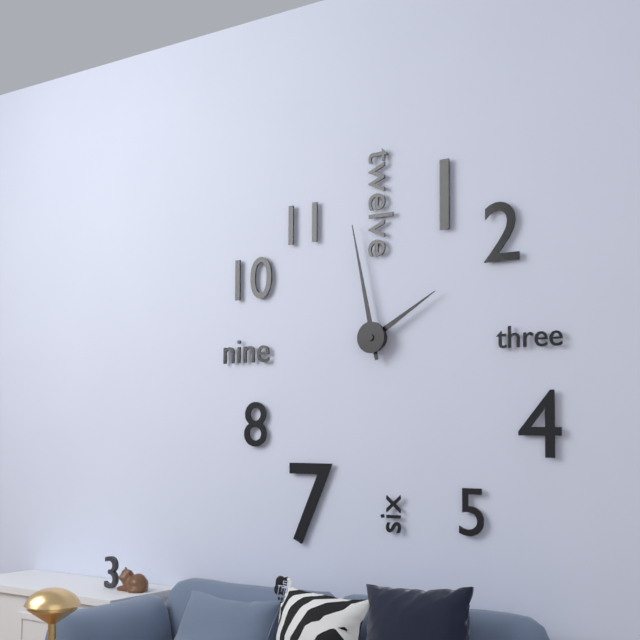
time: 1:58
